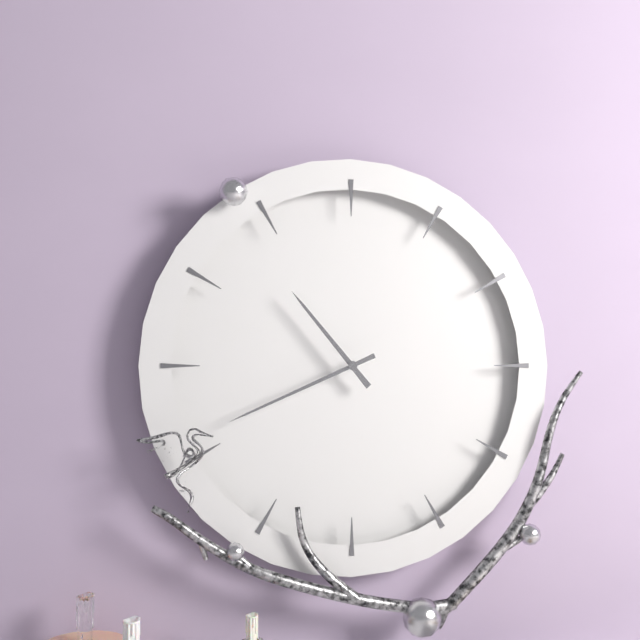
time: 10:41
